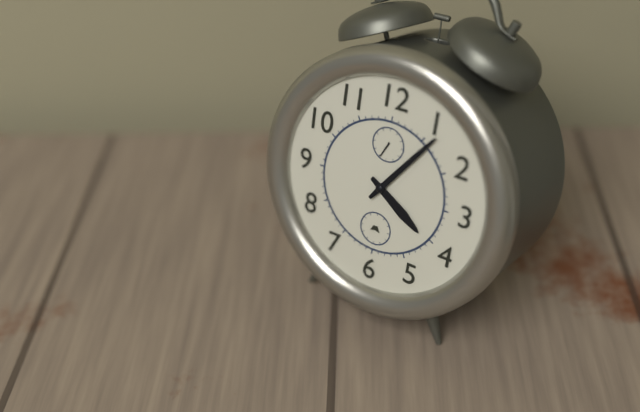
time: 4:06
